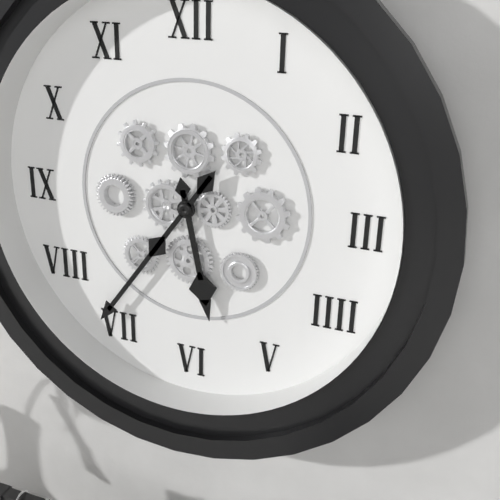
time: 5:36
